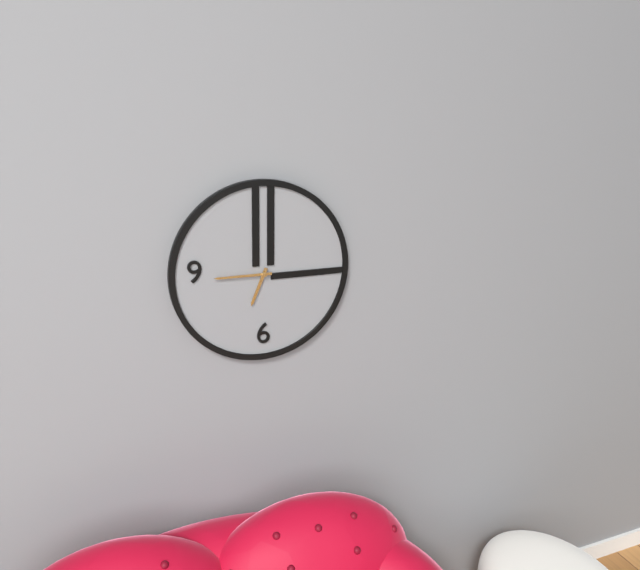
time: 6:45
